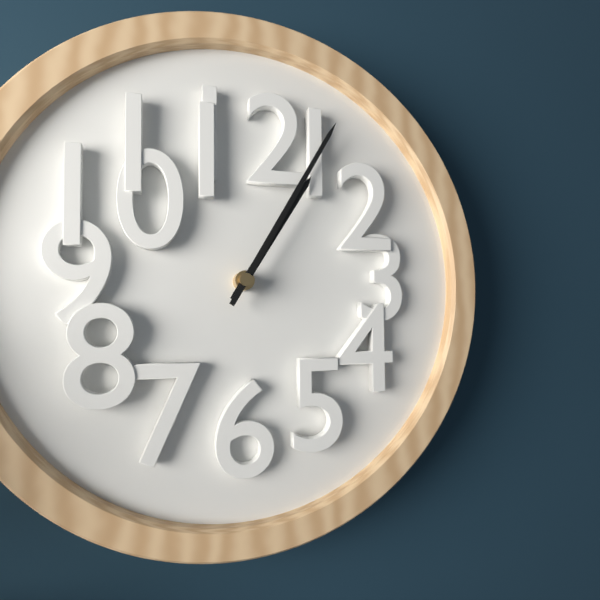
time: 1:05
